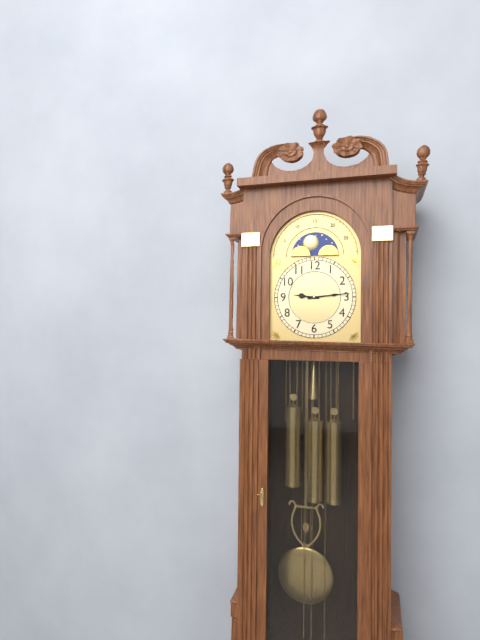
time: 9:14
